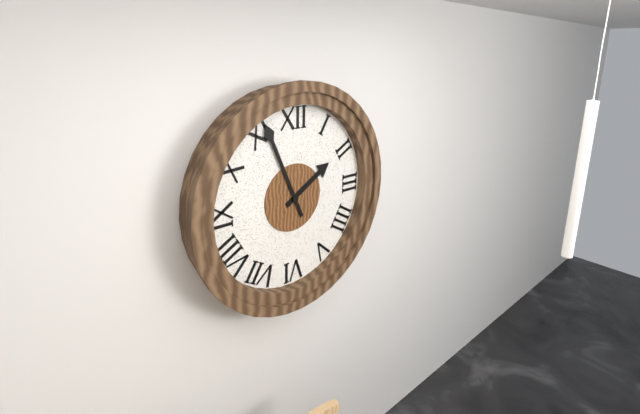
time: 1:56
